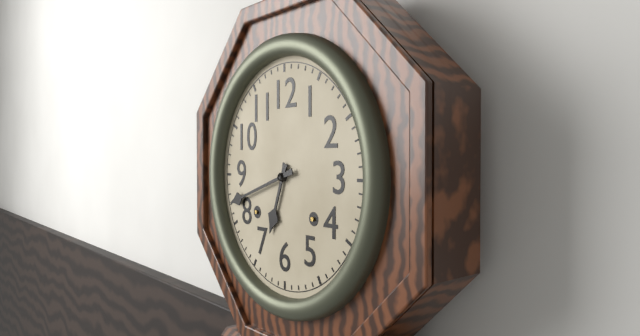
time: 6:42
